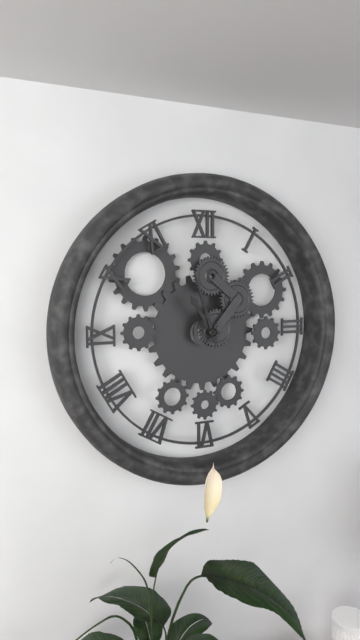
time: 10:57
